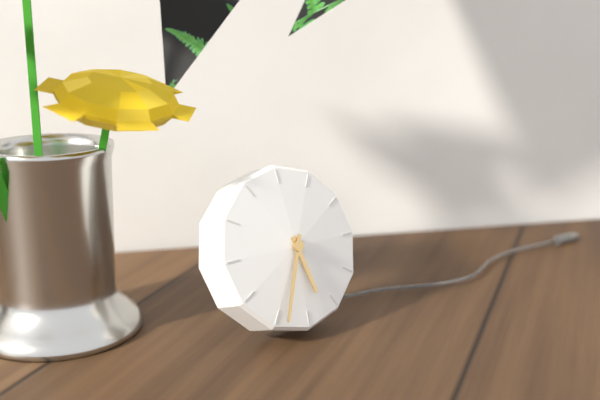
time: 5:34
